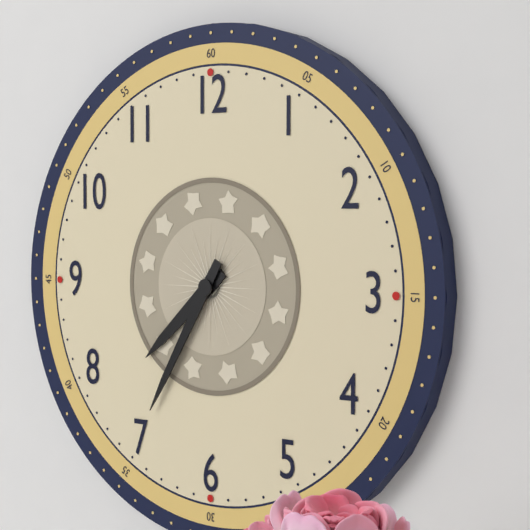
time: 7:35
